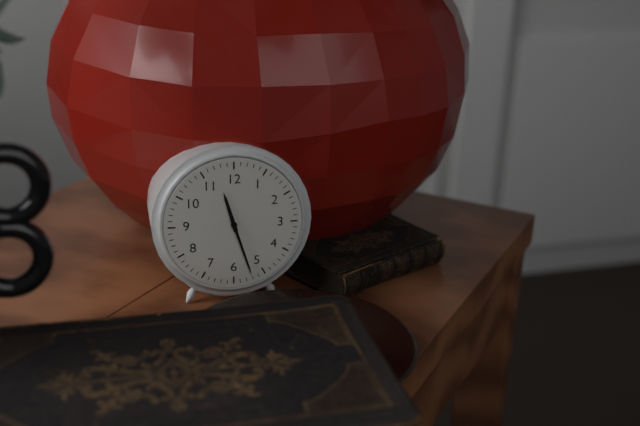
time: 11:27
